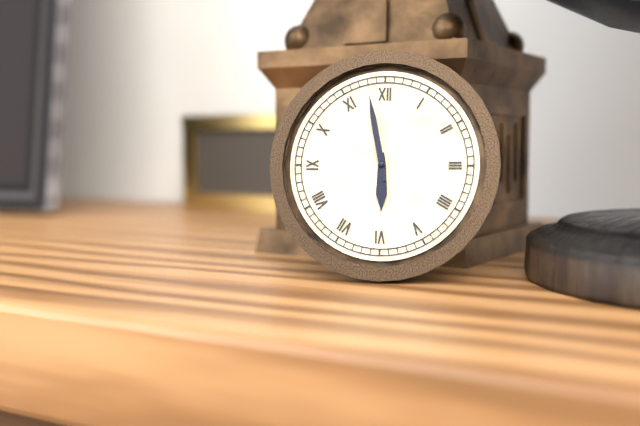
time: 5:58
